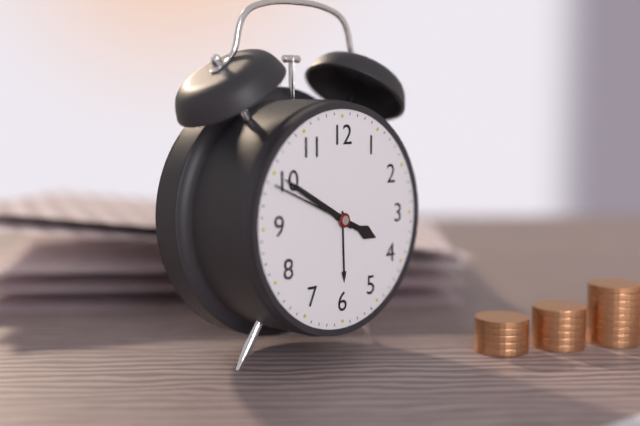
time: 3:50:49
